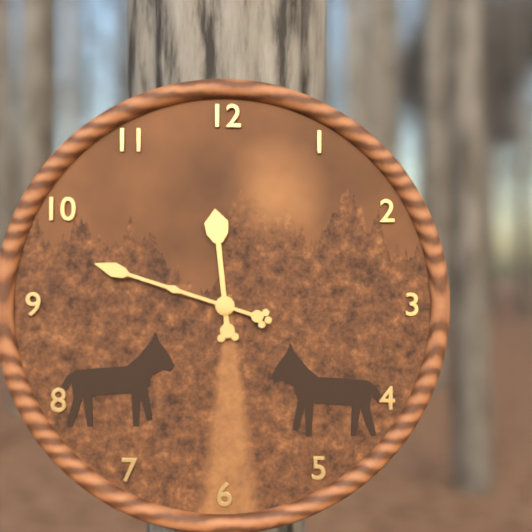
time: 11:48
